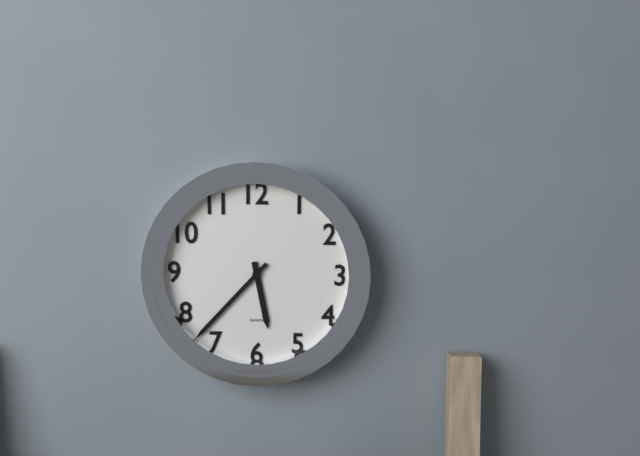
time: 5:37
